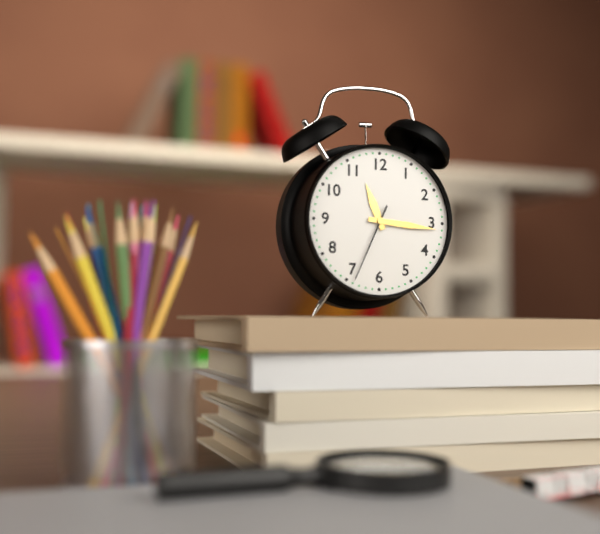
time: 11:16:34
